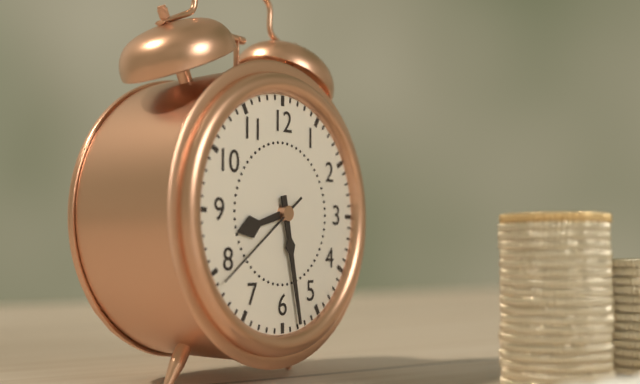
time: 8:28:39
